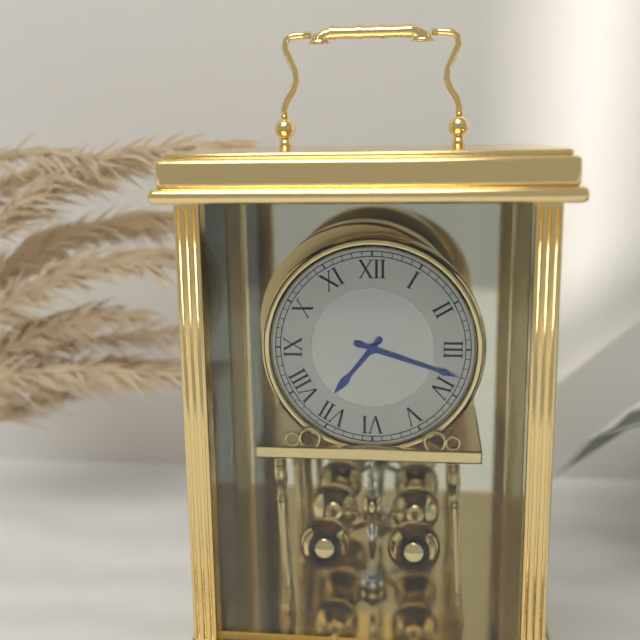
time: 7:18
